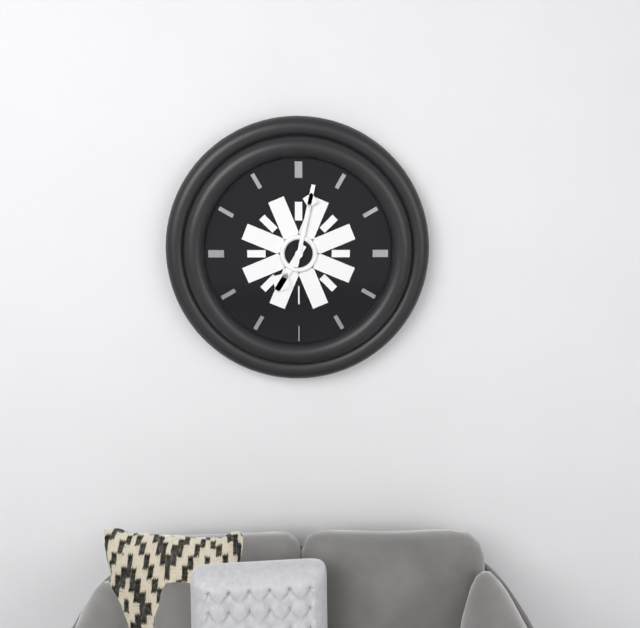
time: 7:02
